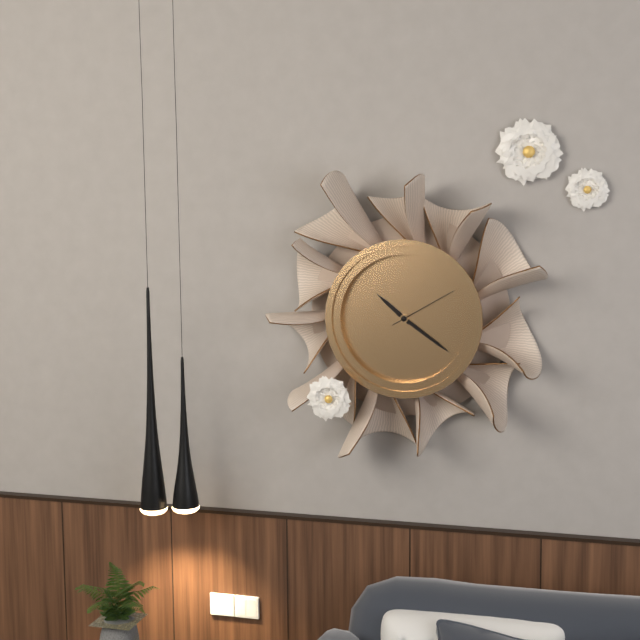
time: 10:21:10
